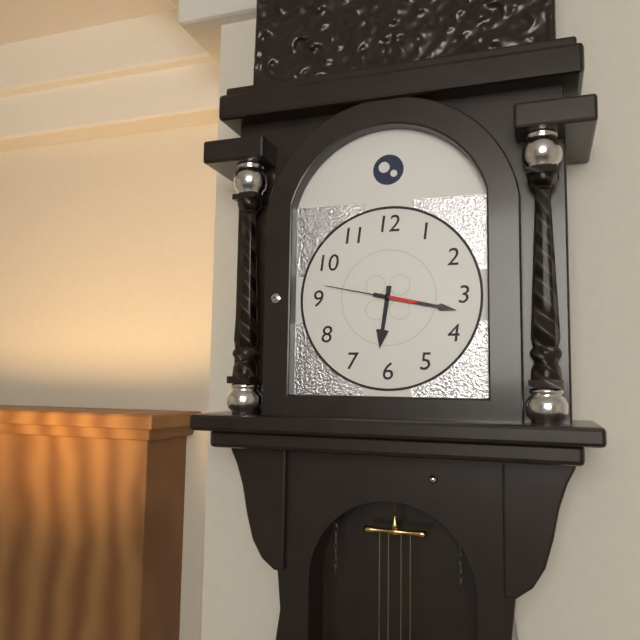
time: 6:17:47
